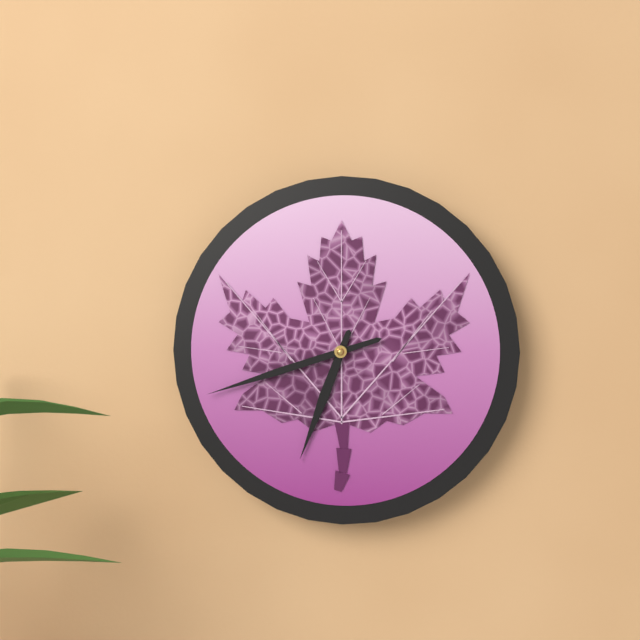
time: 6:42
